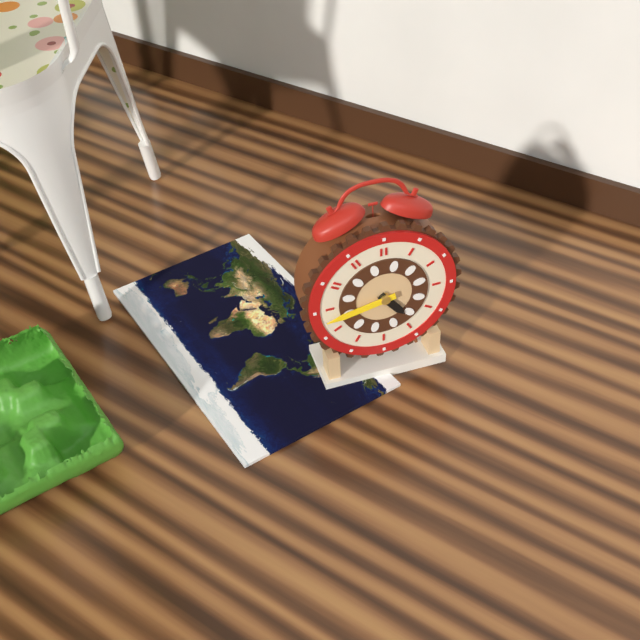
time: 4:43
